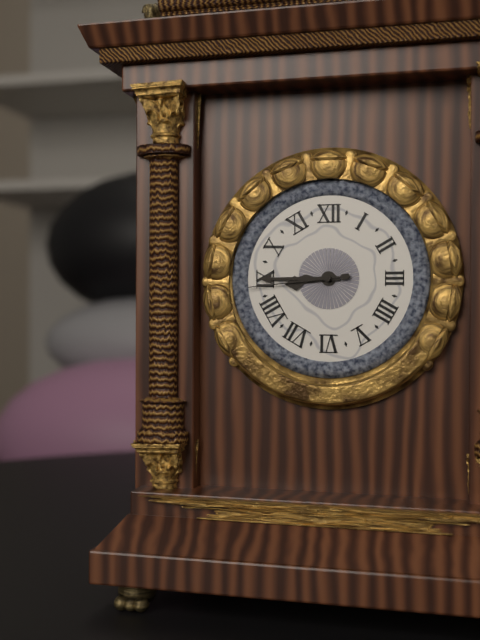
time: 8:45:44
